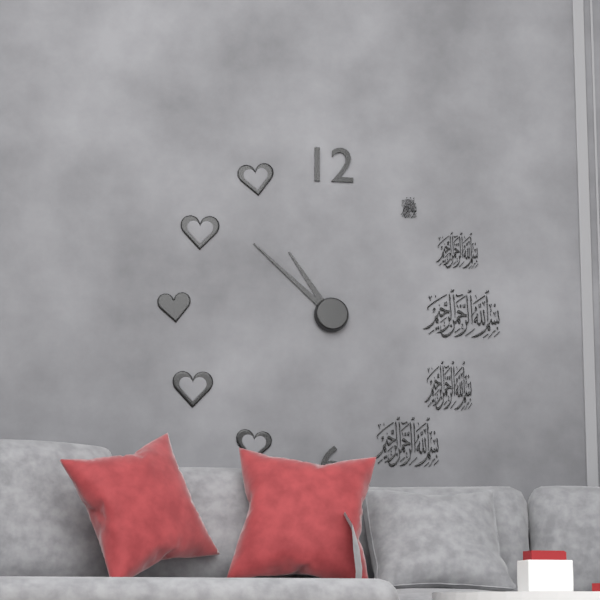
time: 10:52
